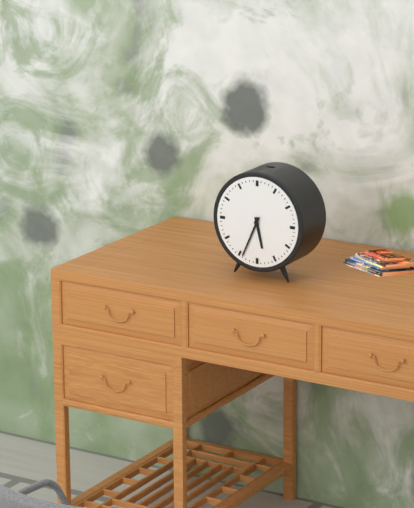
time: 5:34
